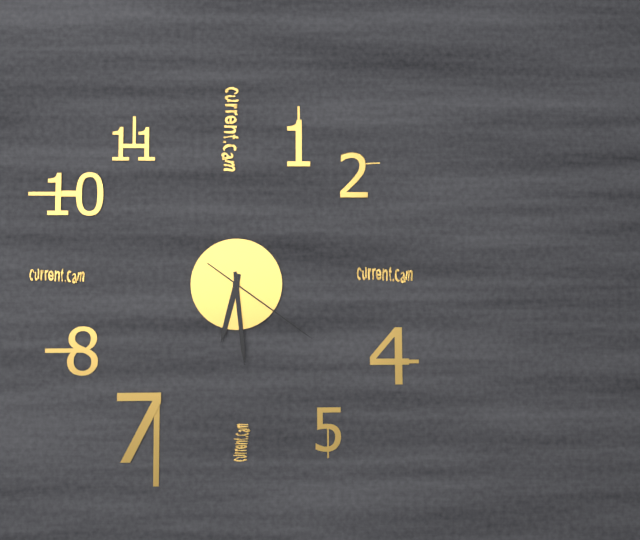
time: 6:29:21
